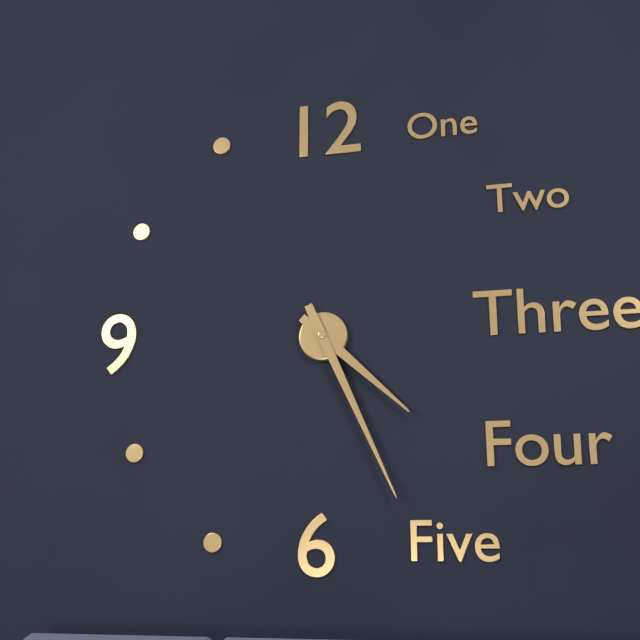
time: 4:26
